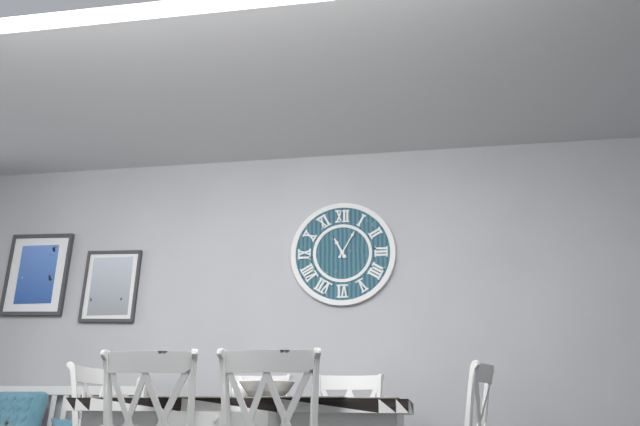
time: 11:05
